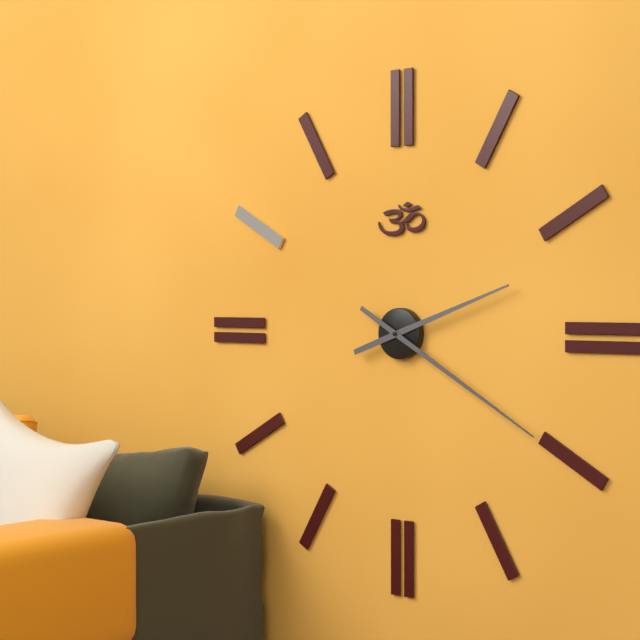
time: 2:20
